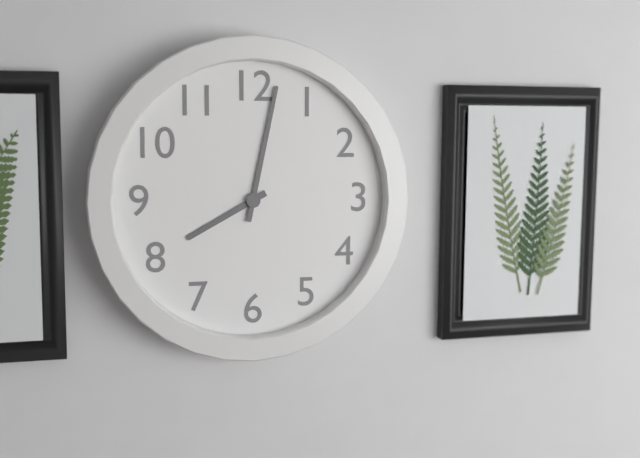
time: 8:02
